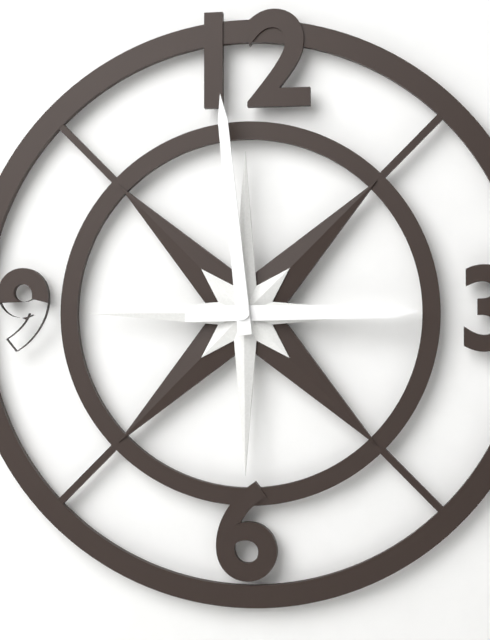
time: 2:59
